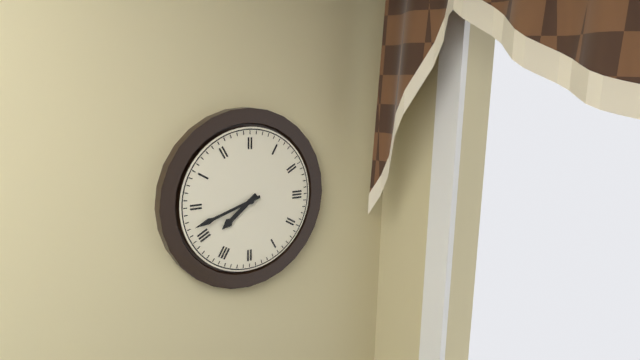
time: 7:42
